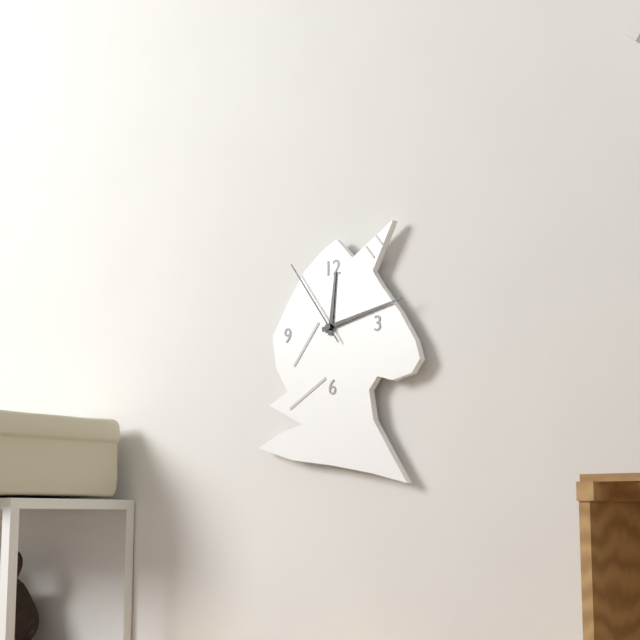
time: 12:13:54
